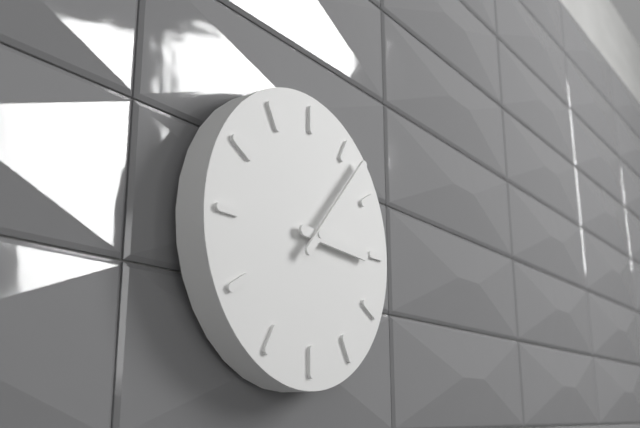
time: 3:07
